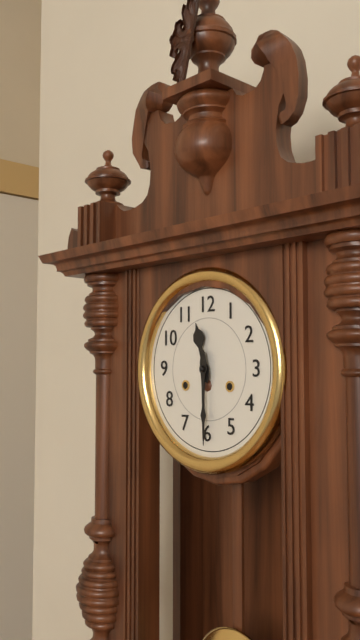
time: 11:30
